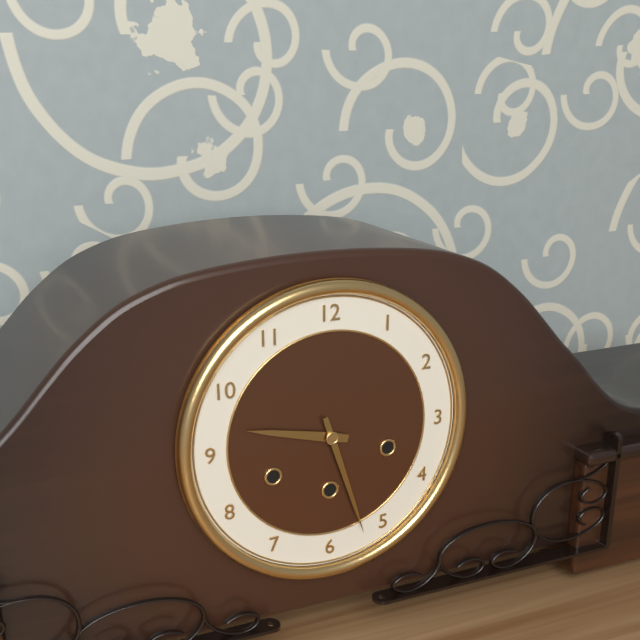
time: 9:27
